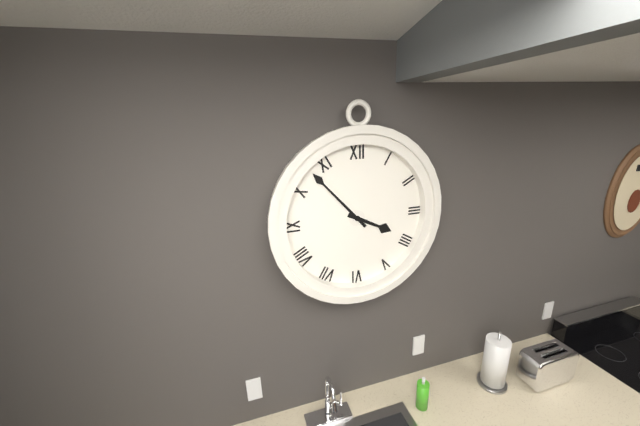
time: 3:53
